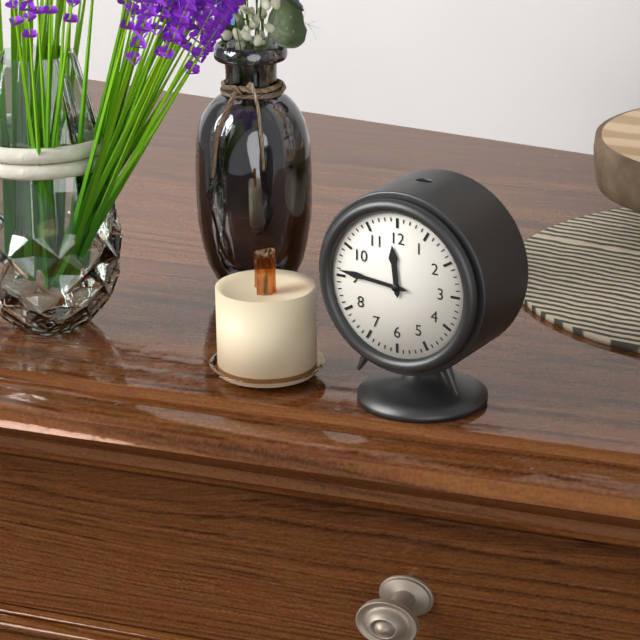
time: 11:46
